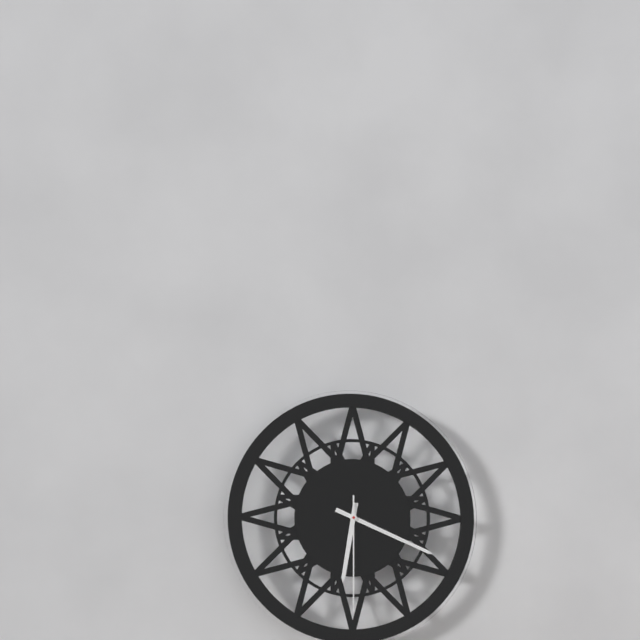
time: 6:19:30
